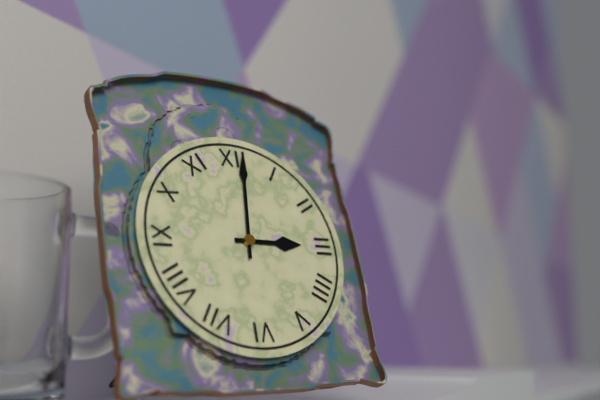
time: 3:01
